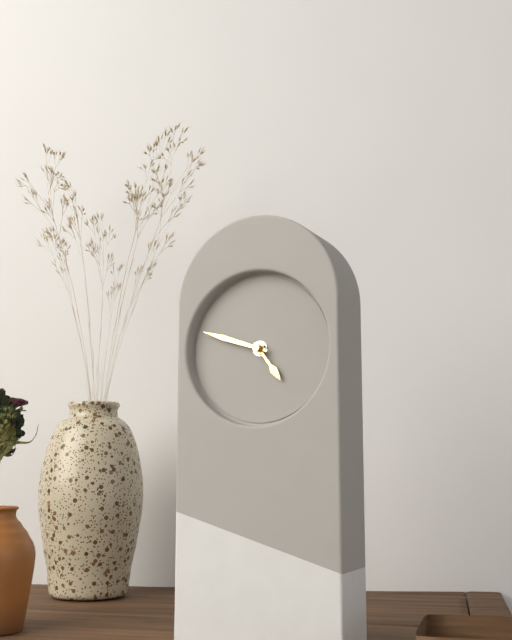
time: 4:48
